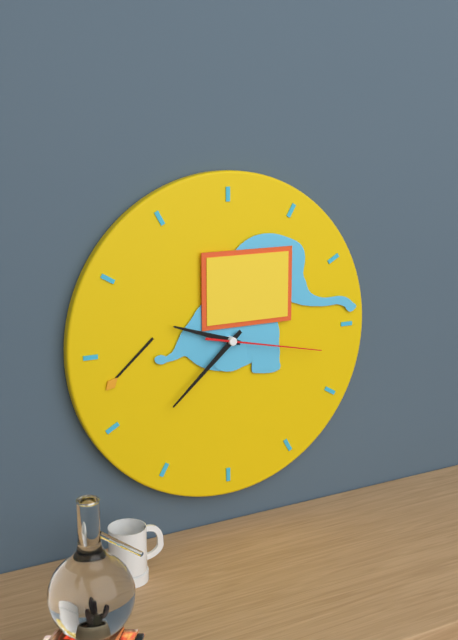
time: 9:38:17
